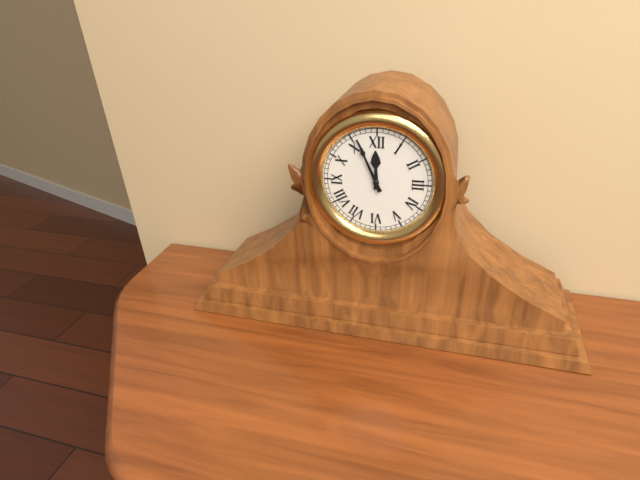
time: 11:56
